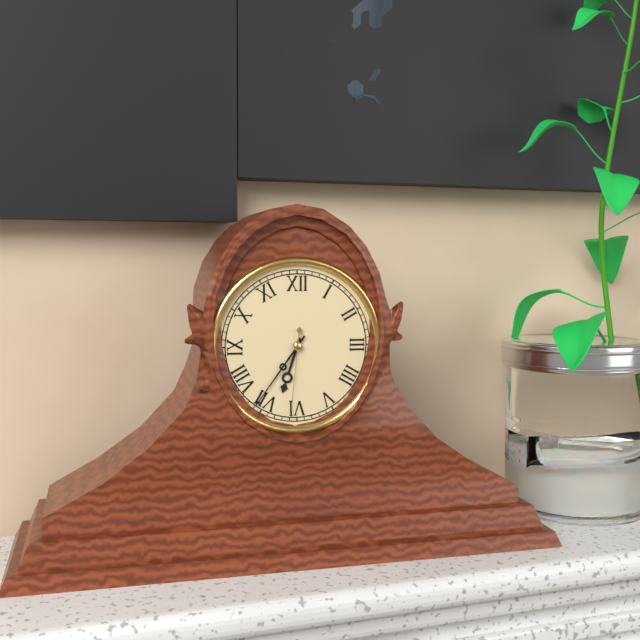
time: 6:36:31
